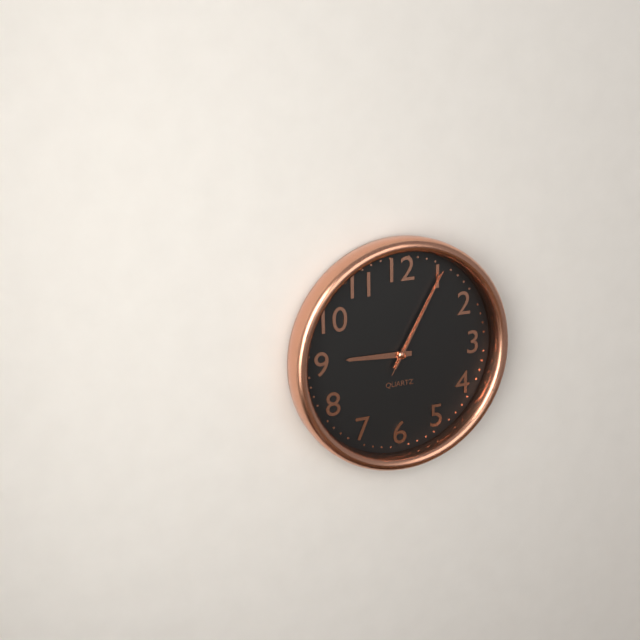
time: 9:05:05
